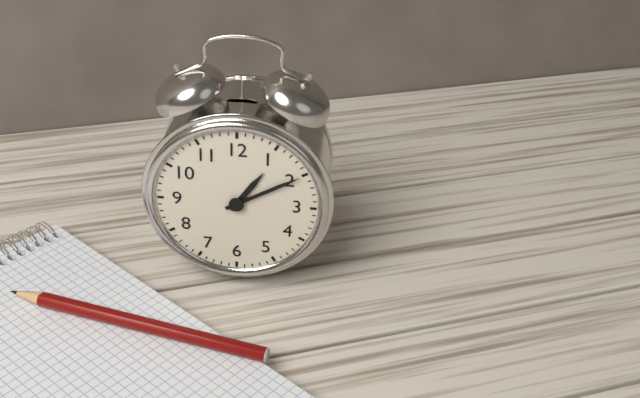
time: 1:10
